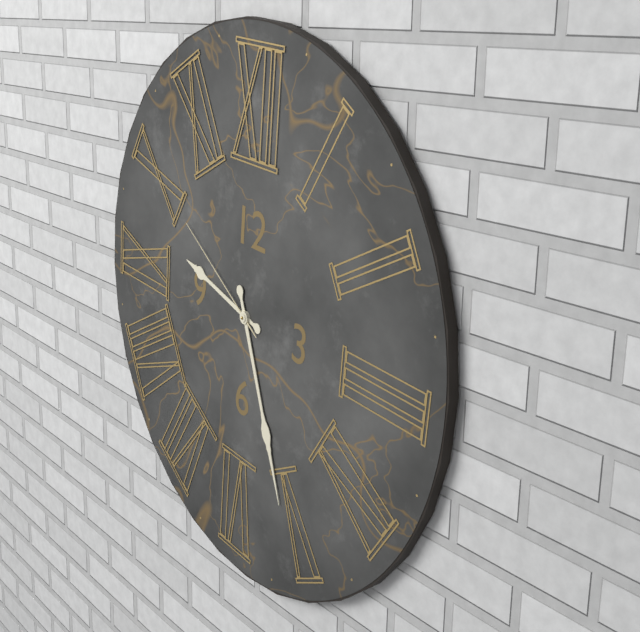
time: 9:26:50
